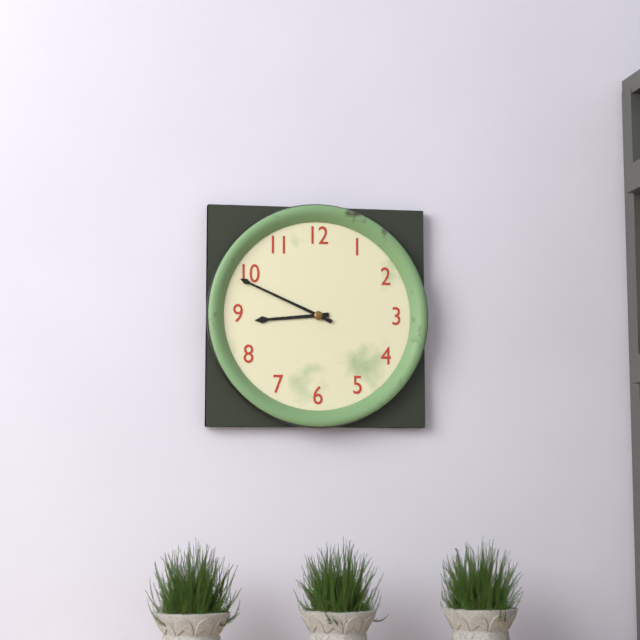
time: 8:49
